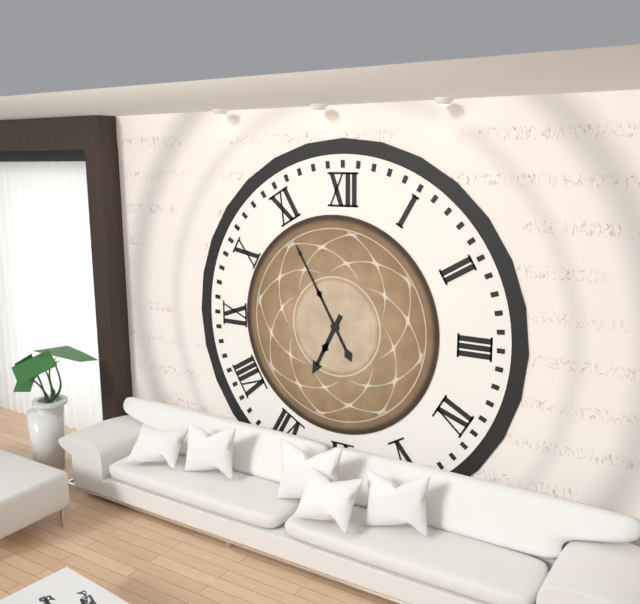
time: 6:55
